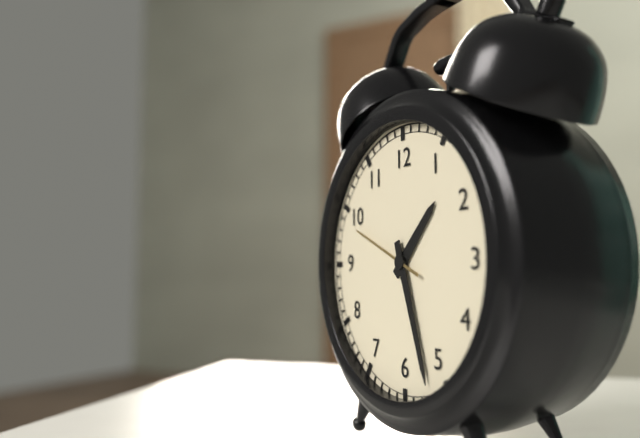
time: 1:27:49
